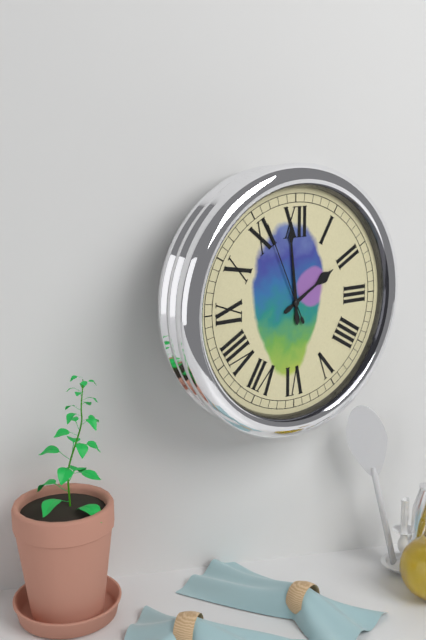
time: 1:59:56
